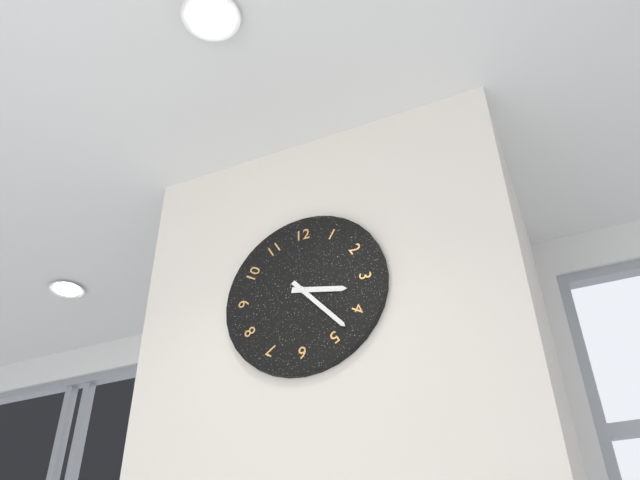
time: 3:23
